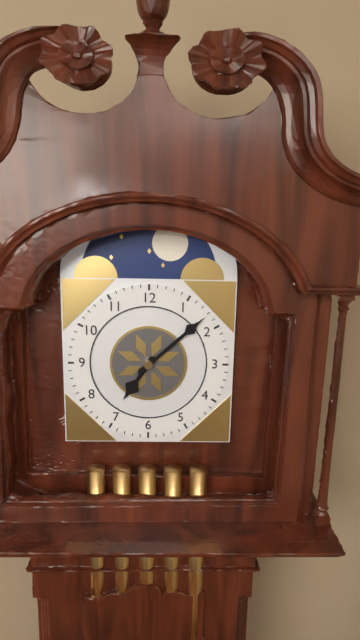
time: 7:08
